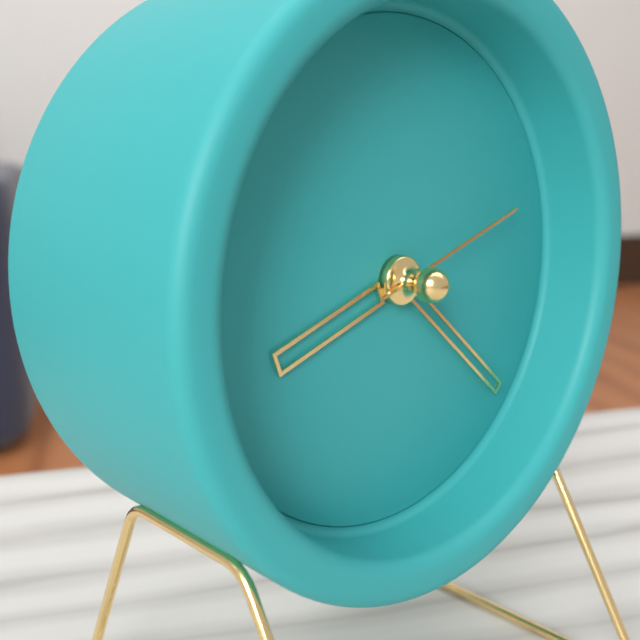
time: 8:22:12
